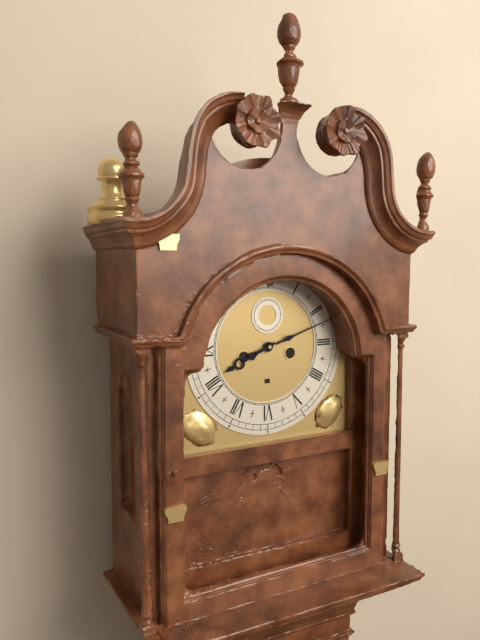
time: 8:12
